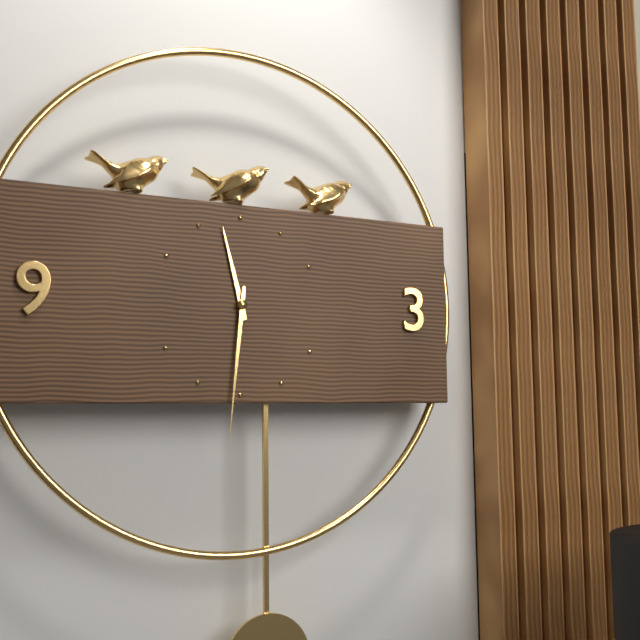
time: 11:31
